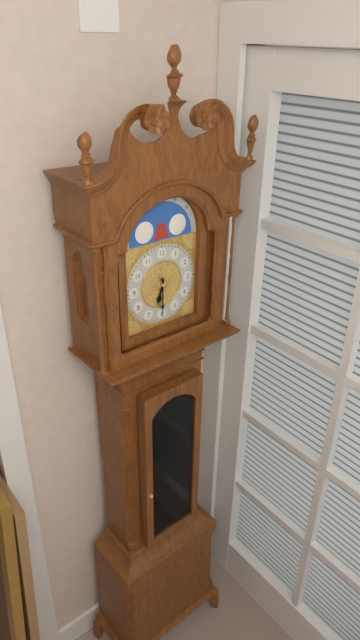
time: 6:30
